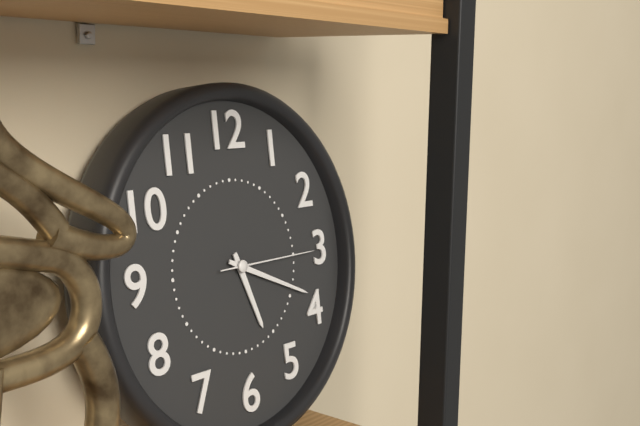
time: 5:19:15
